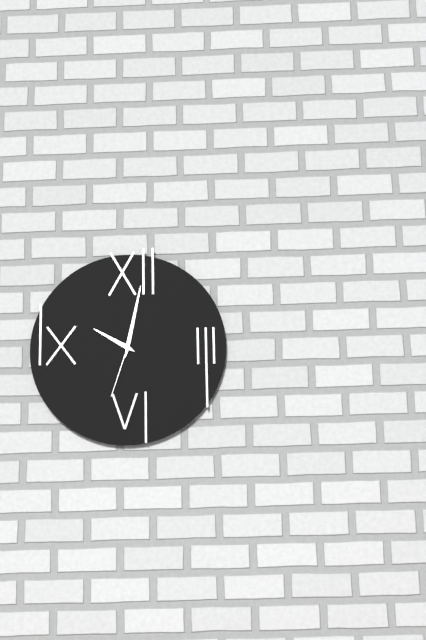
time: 10:02:33
